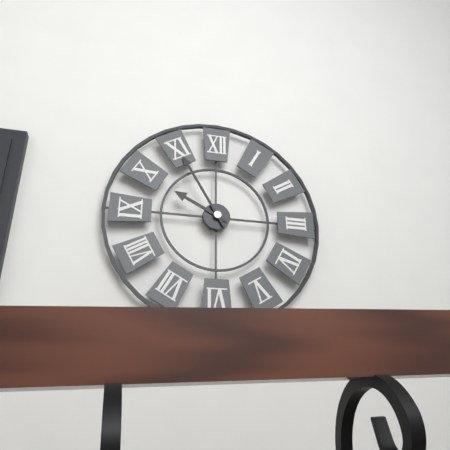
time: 9:55
